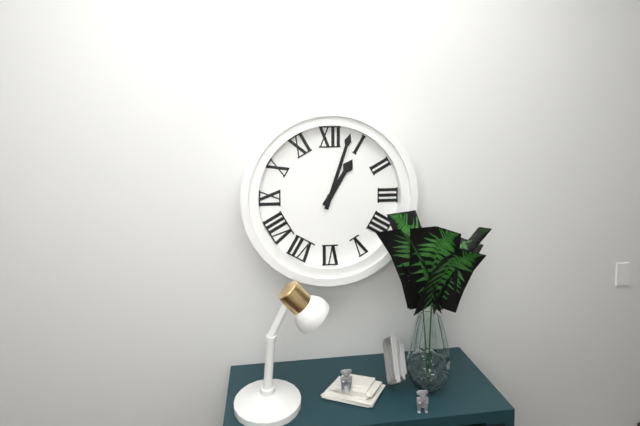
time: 1:03
